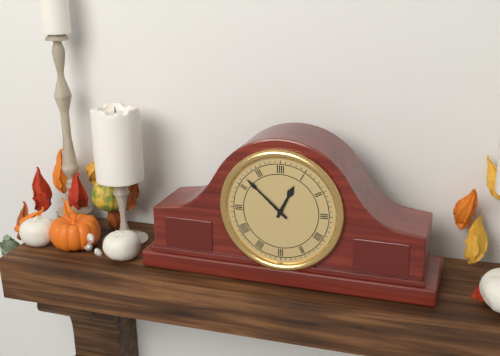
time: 12:52
